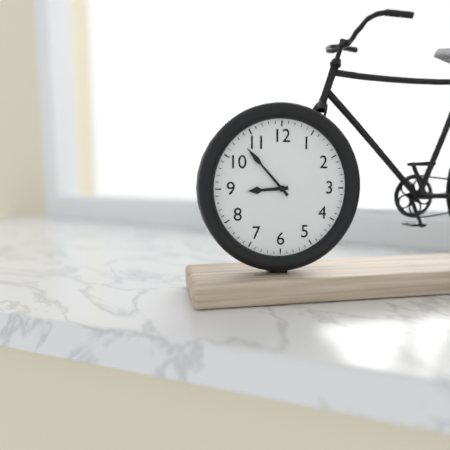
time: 8:53
